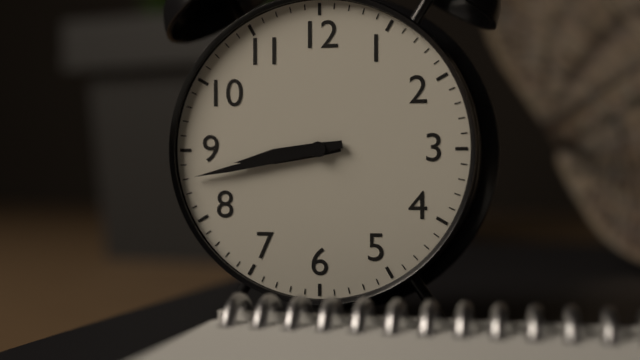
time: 8:43
